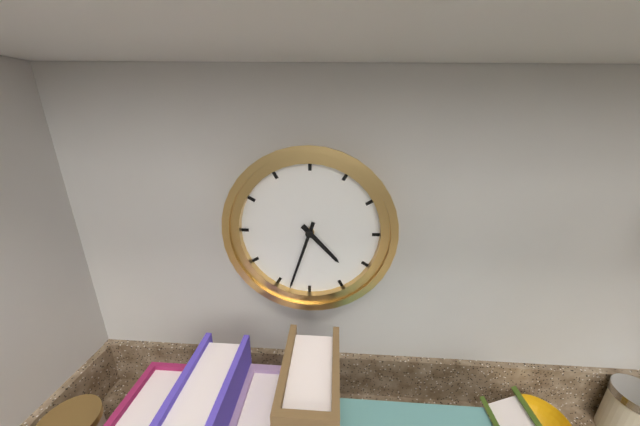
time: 4:33
